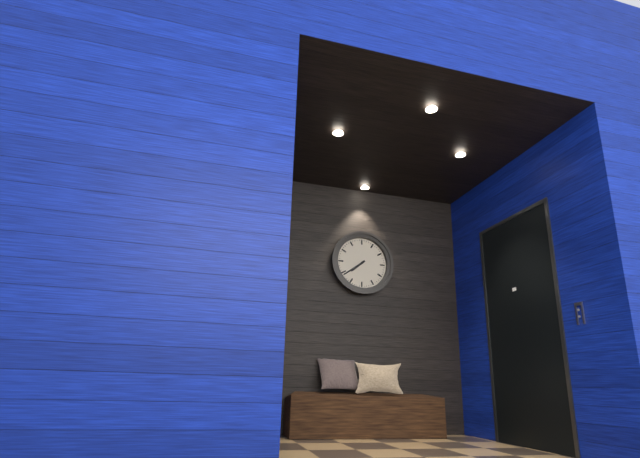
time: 7:39
